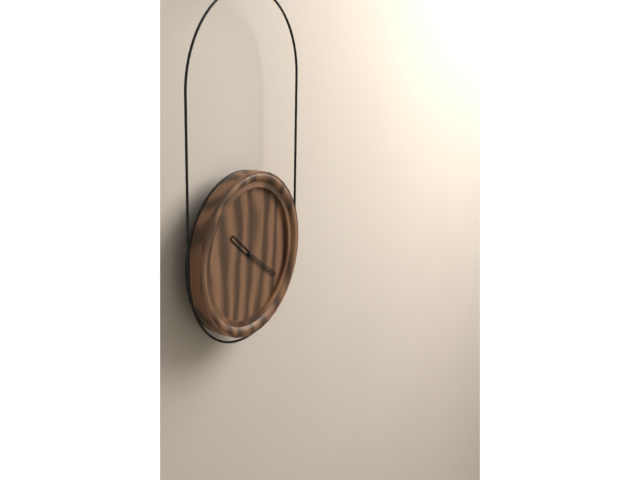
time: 10:21
